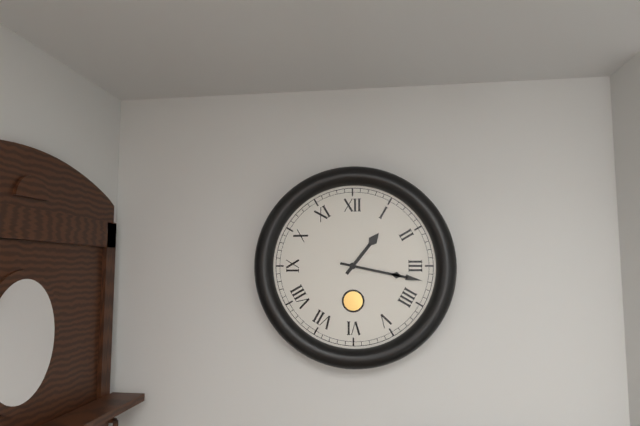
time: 1:17
